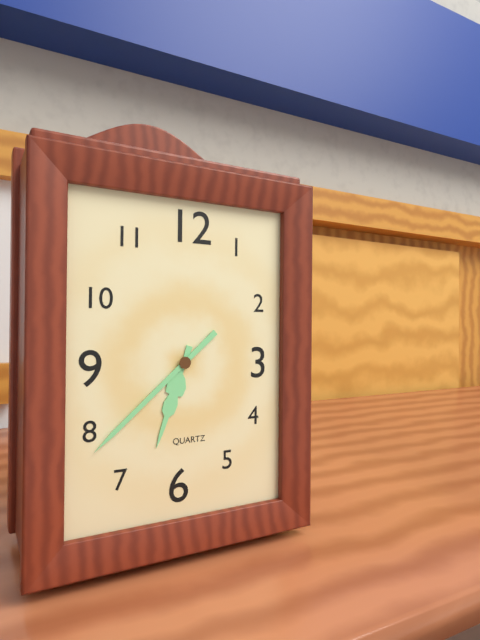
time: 6:38
